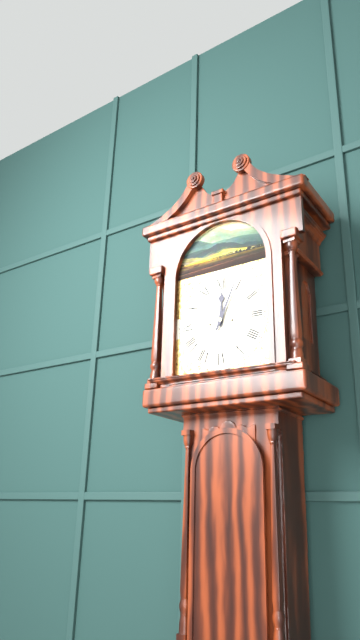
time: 12:04
